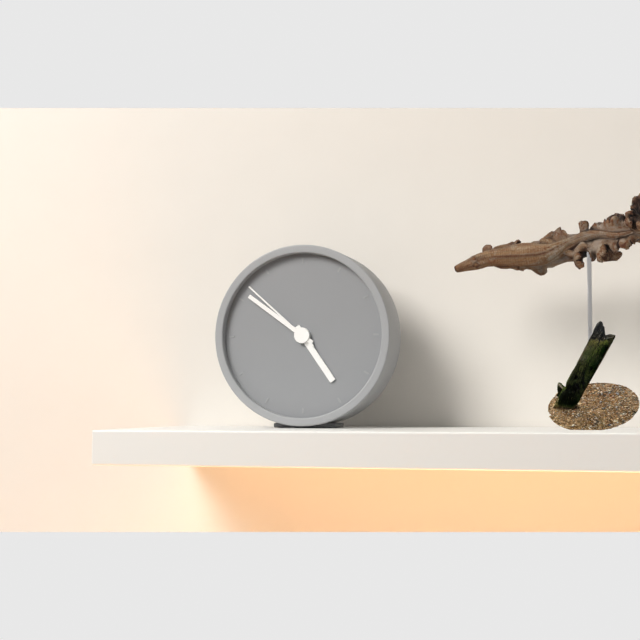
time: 4:51:52
